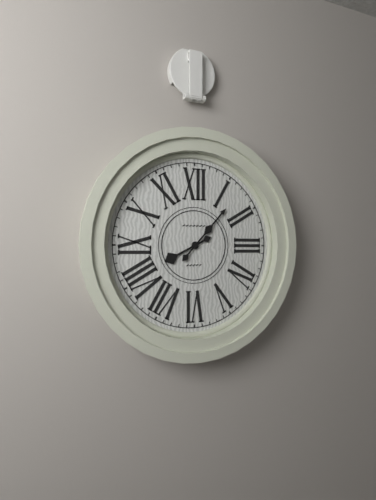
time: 8:07
